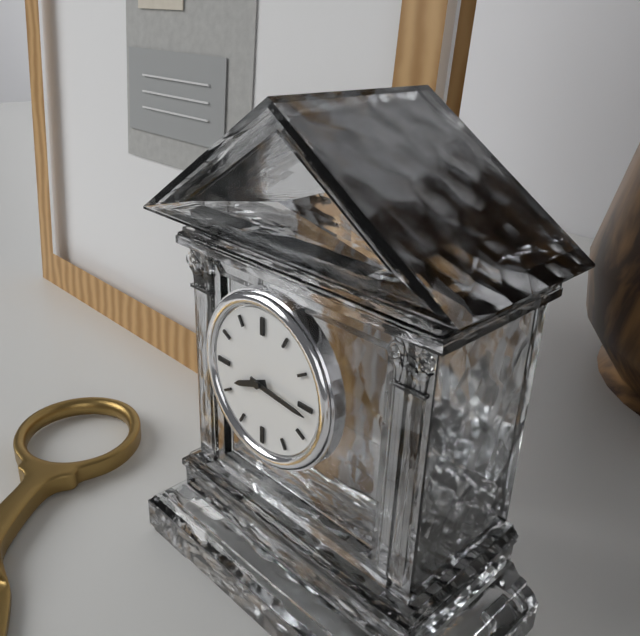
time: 8:16
